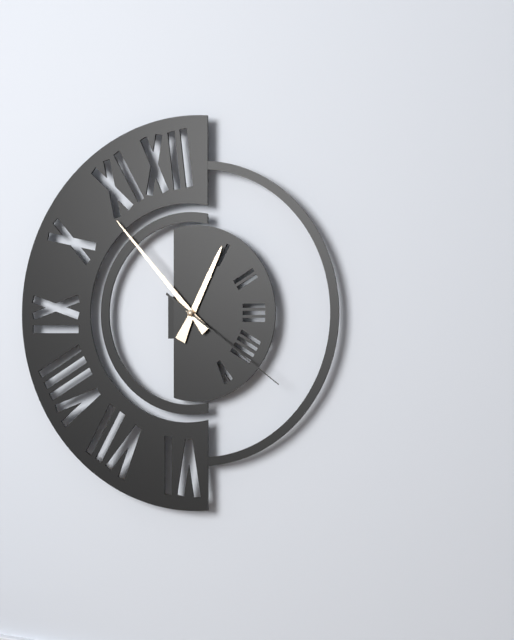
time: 12:53:21
